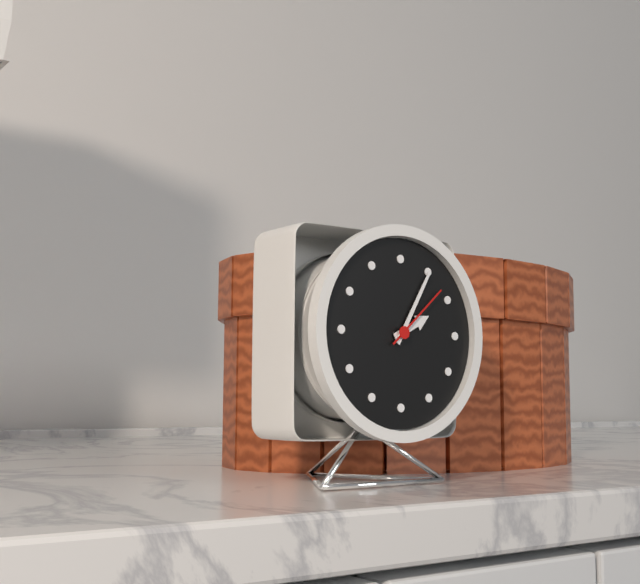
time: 2:05:08
